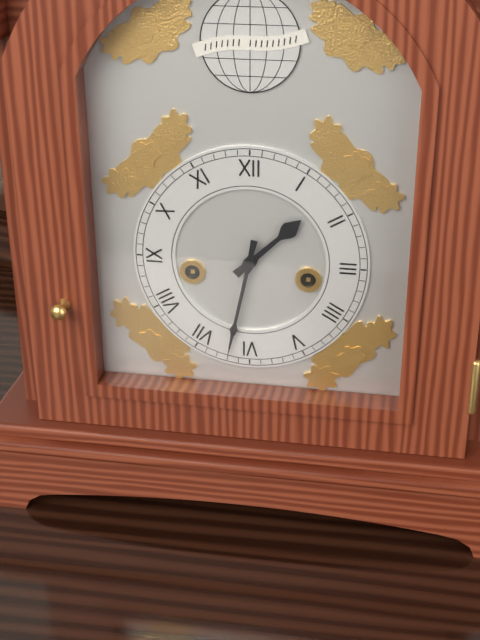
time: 1:32
